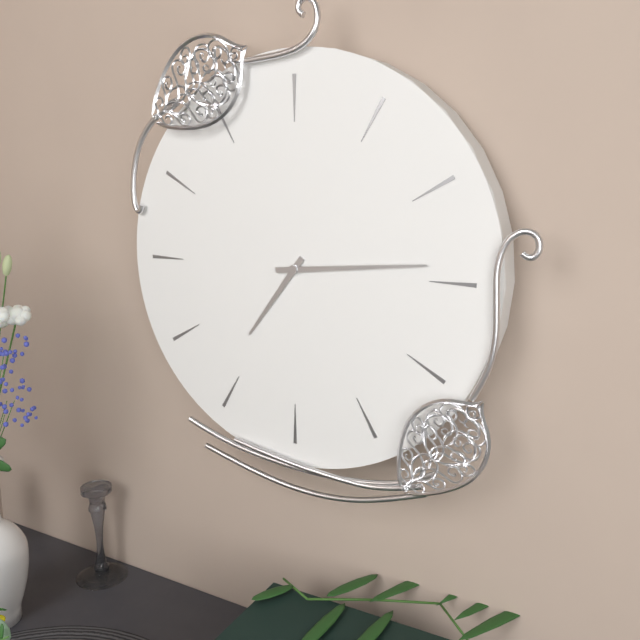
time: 7:14
